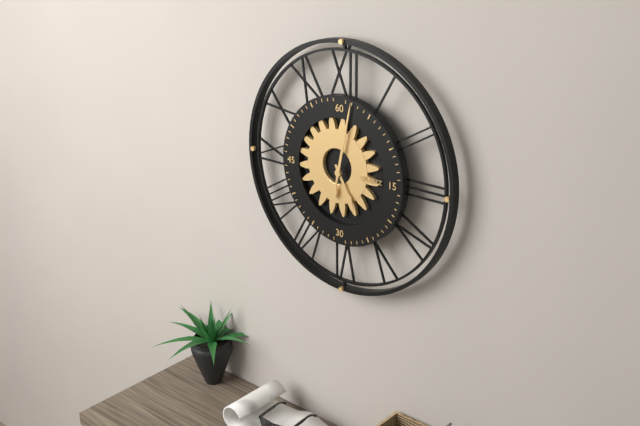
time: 5:02
